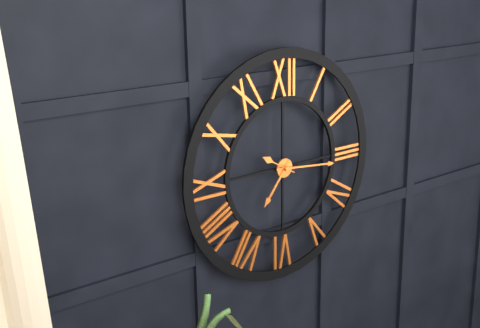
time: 7:16
